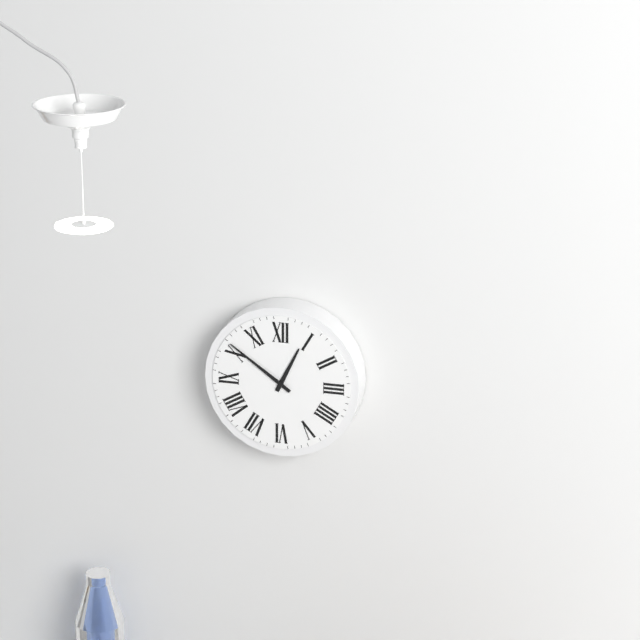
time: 12:51
